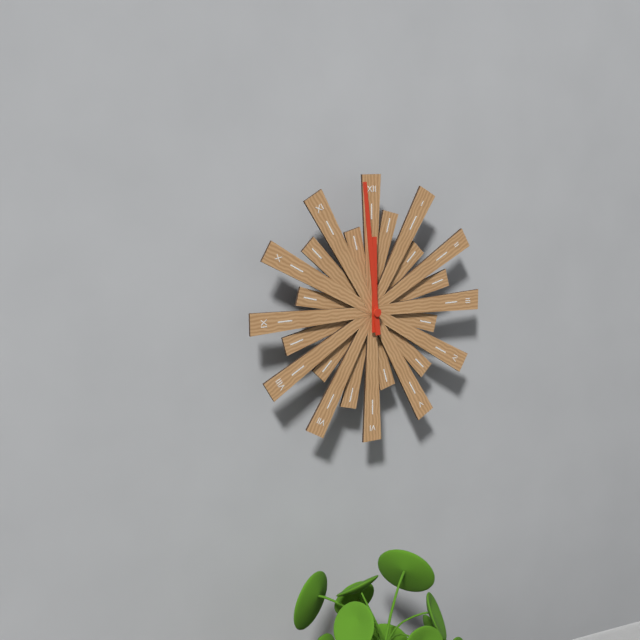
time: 11:59
